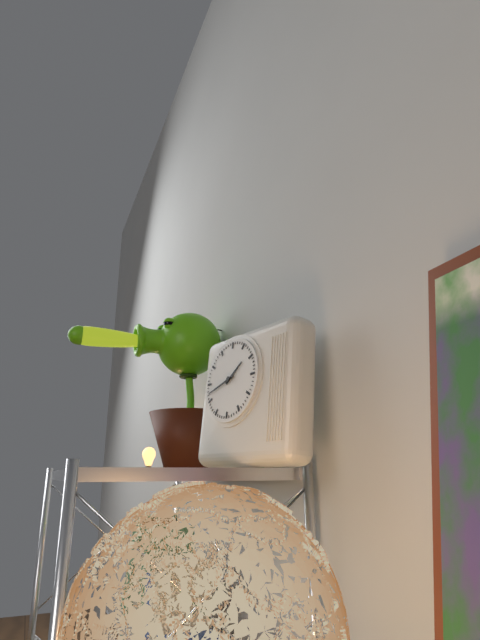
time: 1:42
